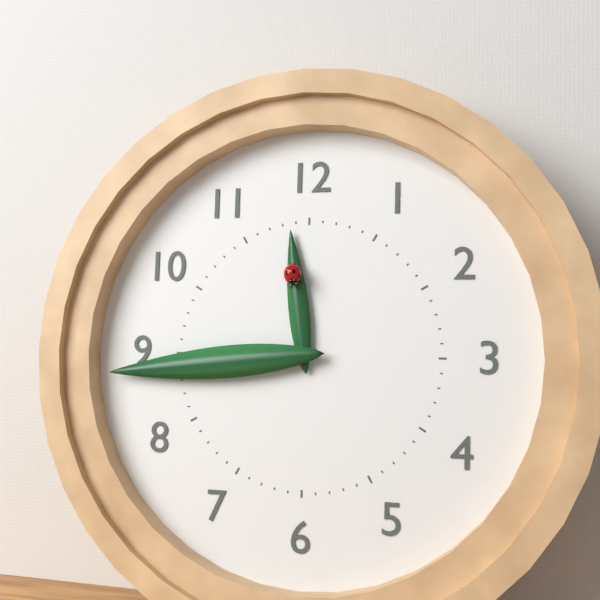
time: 11:44
